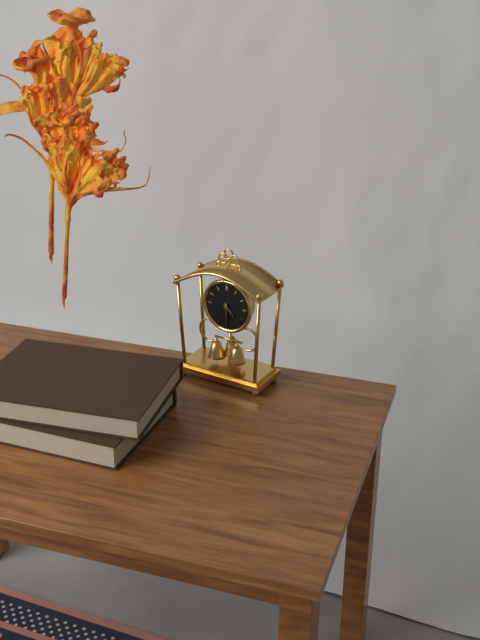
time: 4:30
